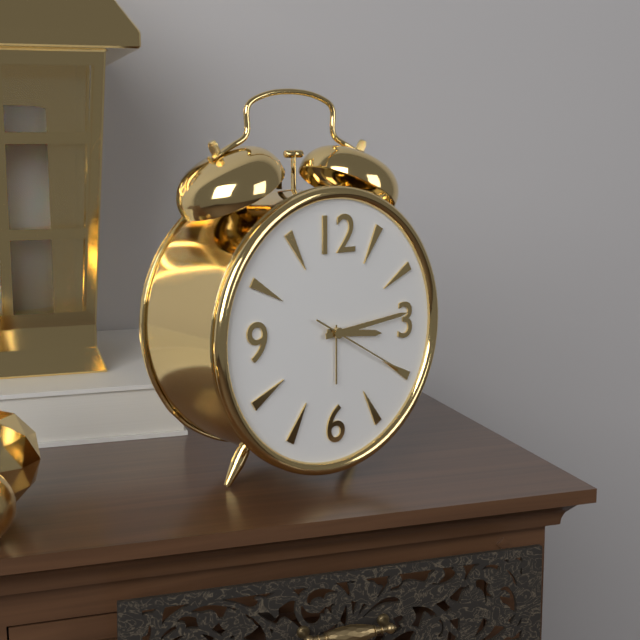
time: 3:14:20
